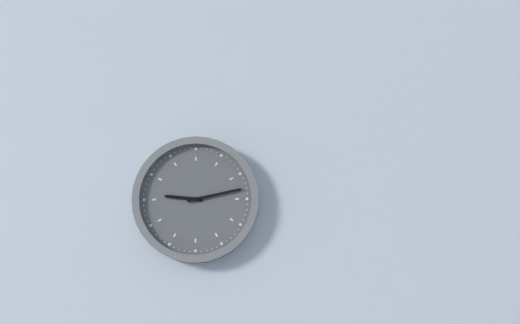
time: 9:13
